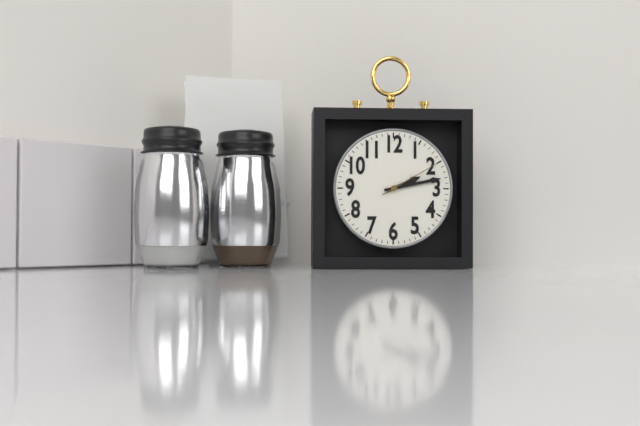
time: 2:13:10
